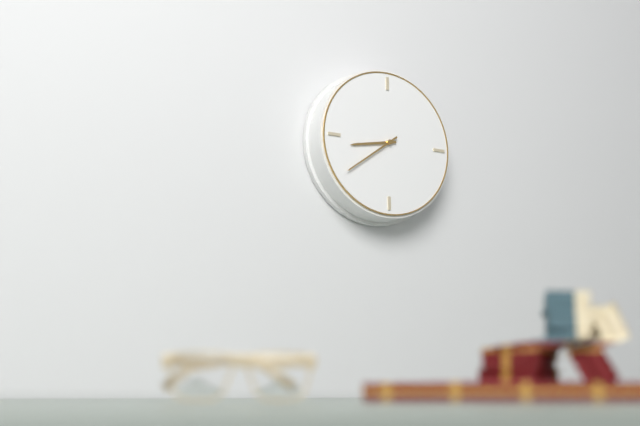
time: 8:39
